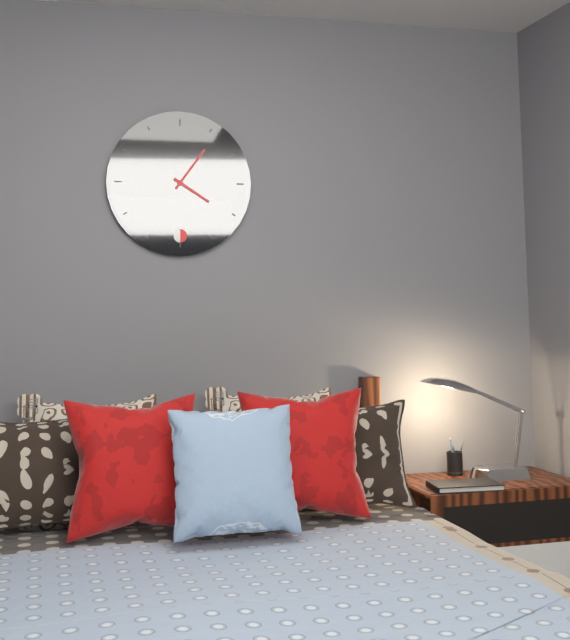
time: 4:06
